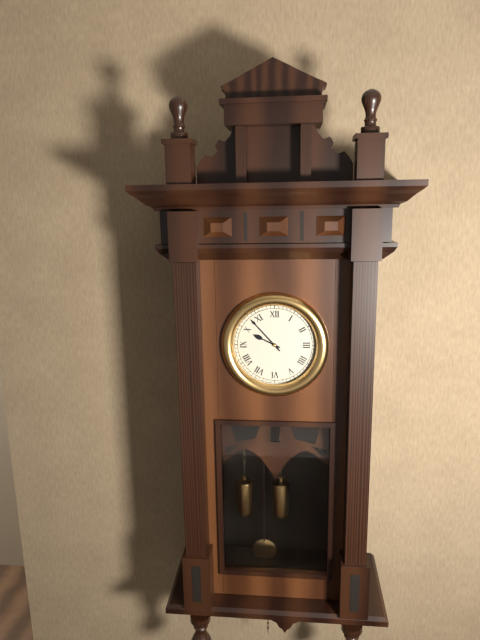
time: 9:53
